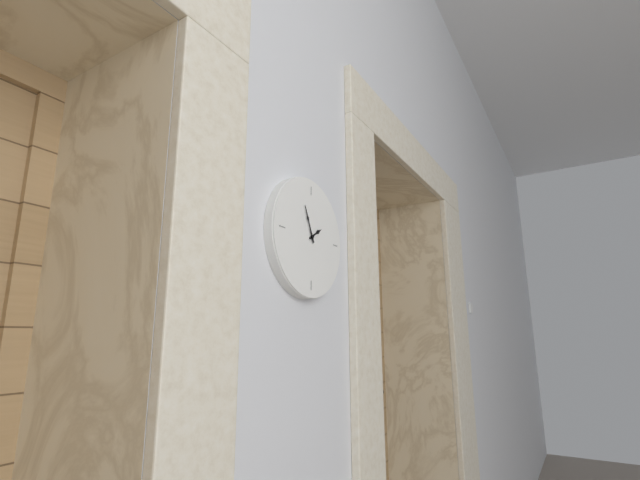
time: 1:56
